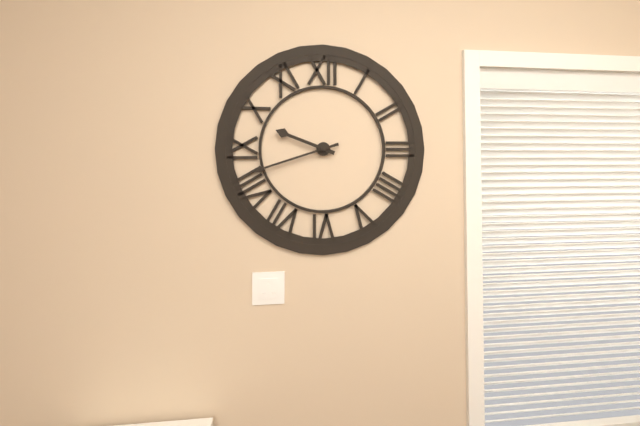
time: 9:42
